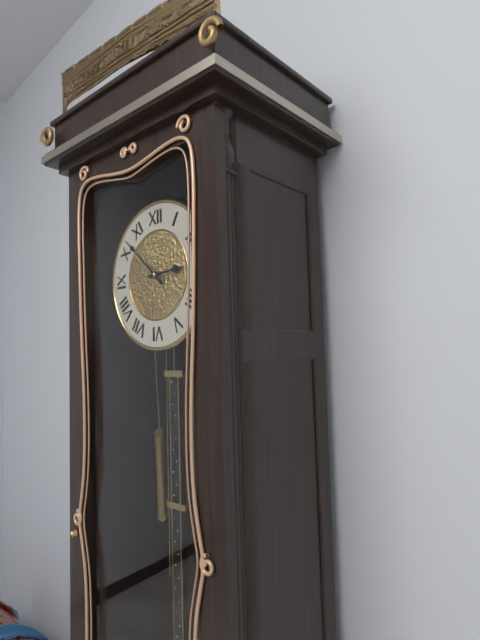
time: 2:52
